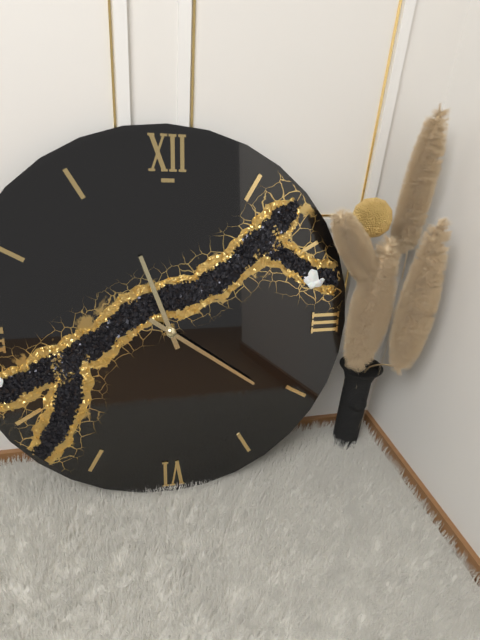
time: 11:21
